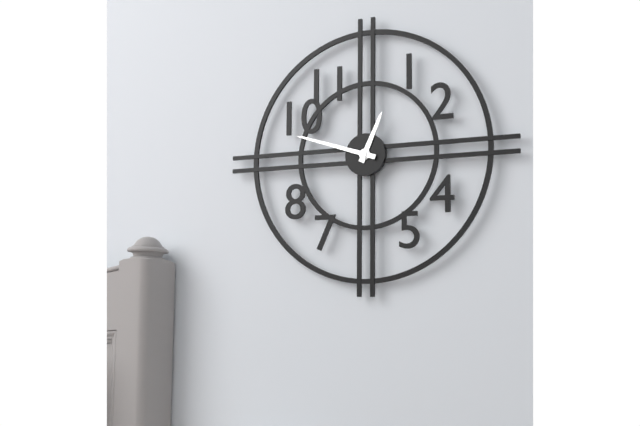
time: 12:48
